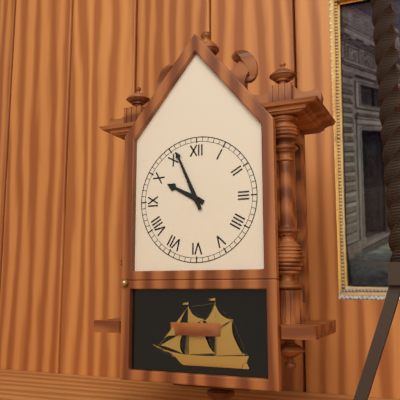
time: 9:56
